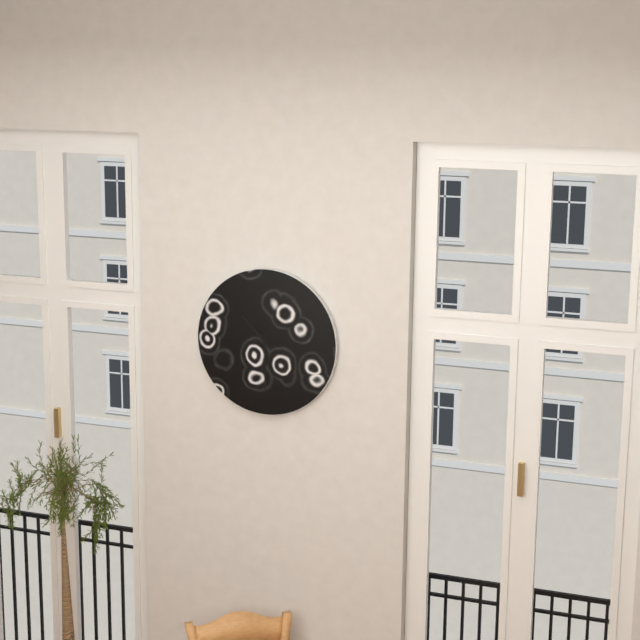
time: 10:30
